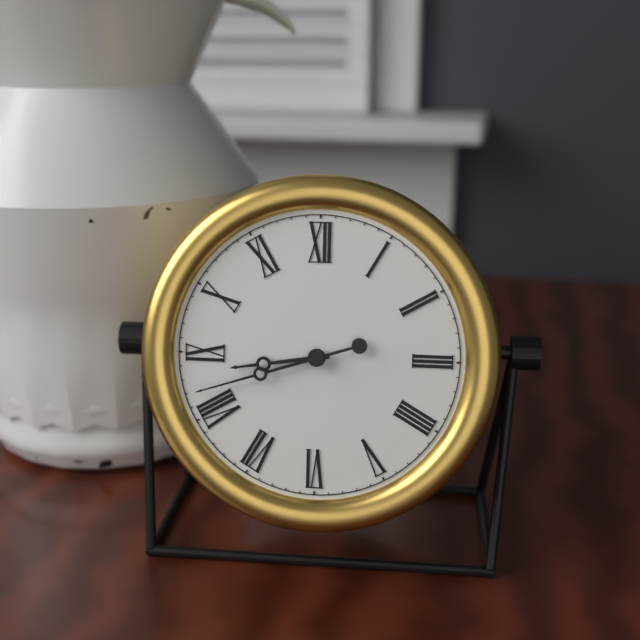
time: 8:42
